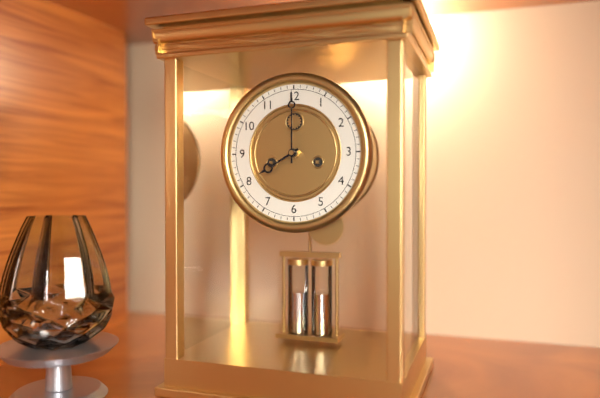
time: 8:00
